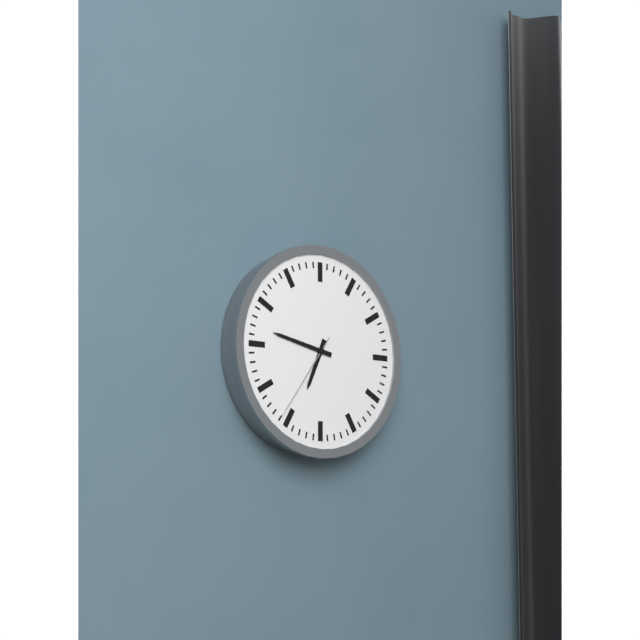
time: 6:47:36
